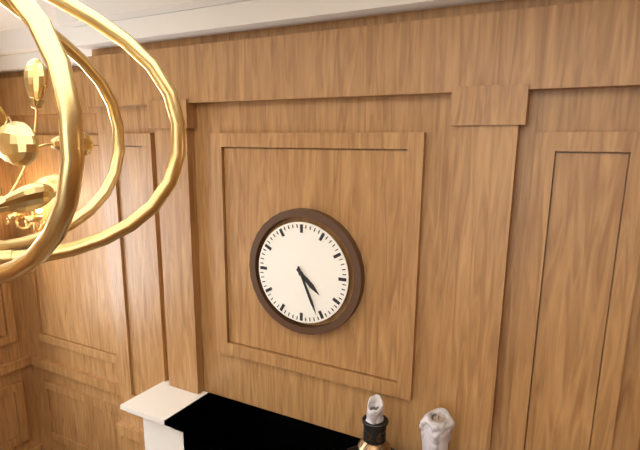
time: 4:26
